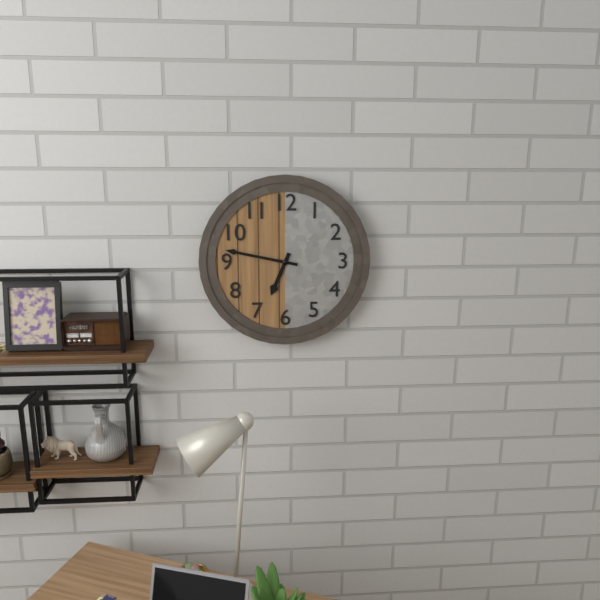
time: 6:47
